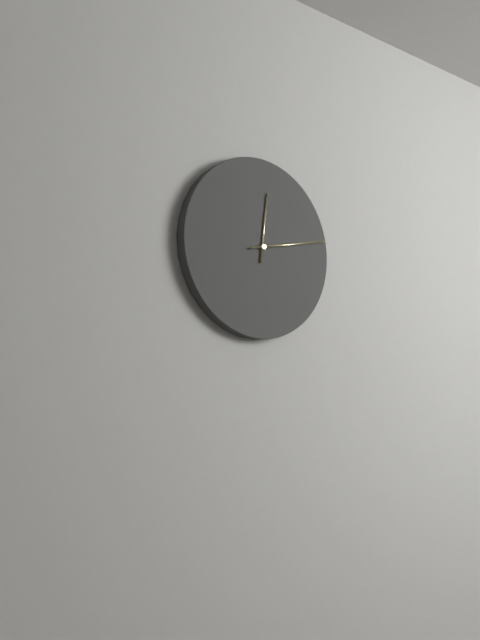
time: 12:13
